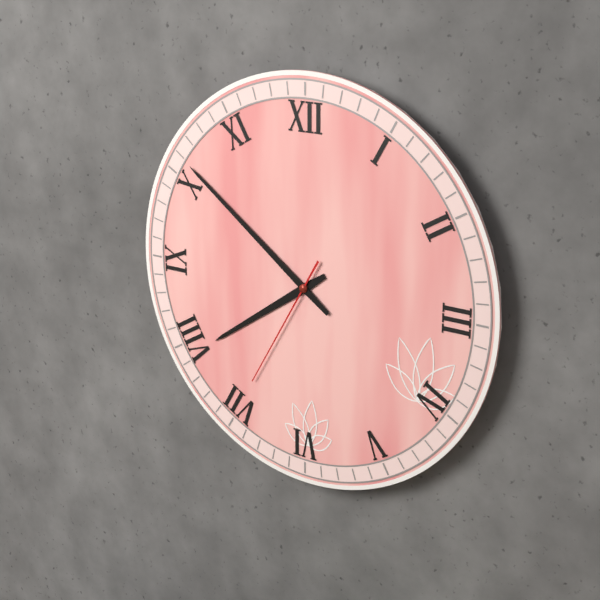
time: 7:51:35
